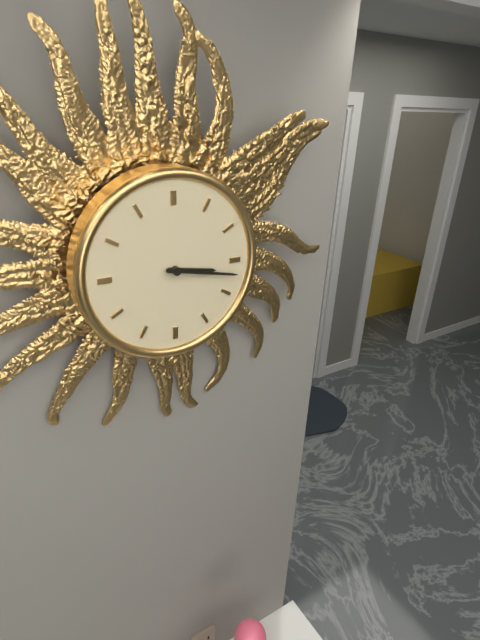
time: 3:17
